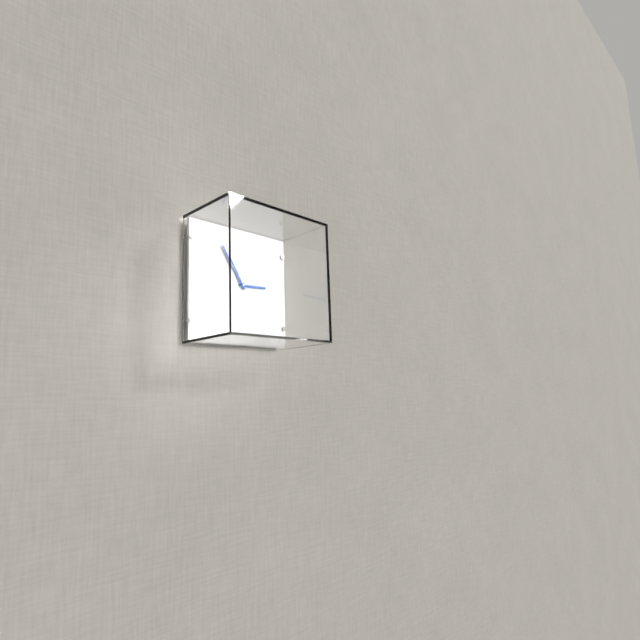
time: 2:55
